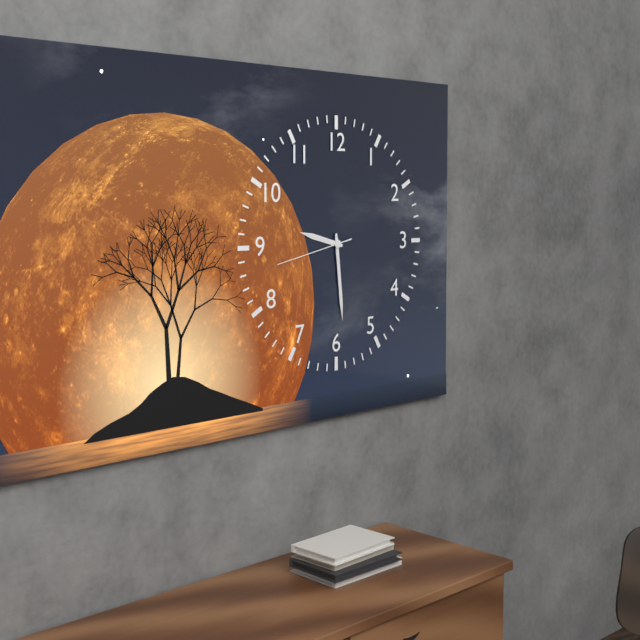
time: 9:29:43
